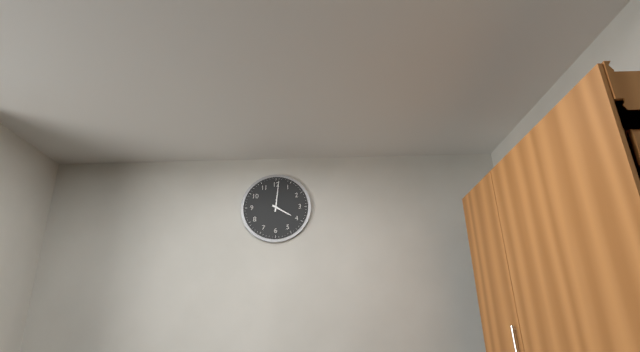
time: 4:01
